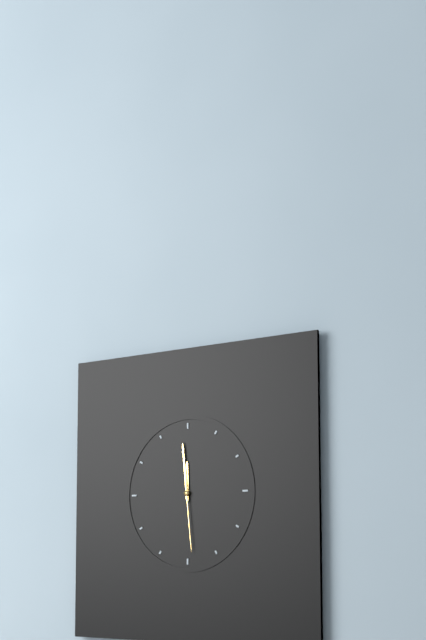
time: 11:59:29
